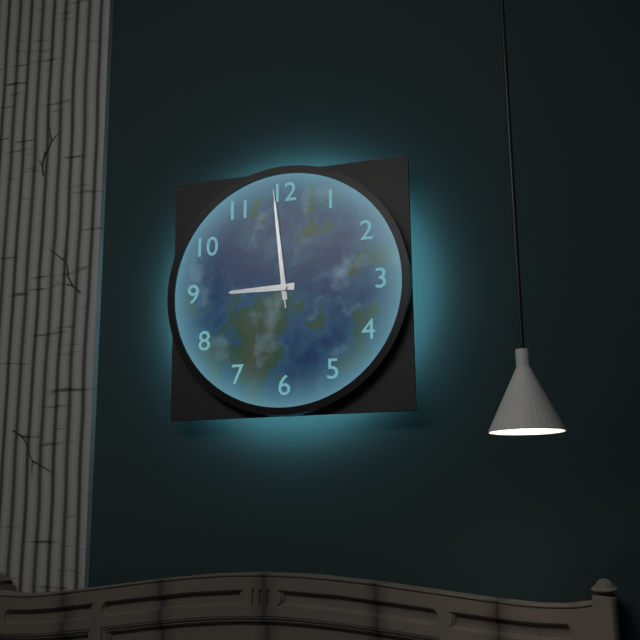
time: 8:59:59
